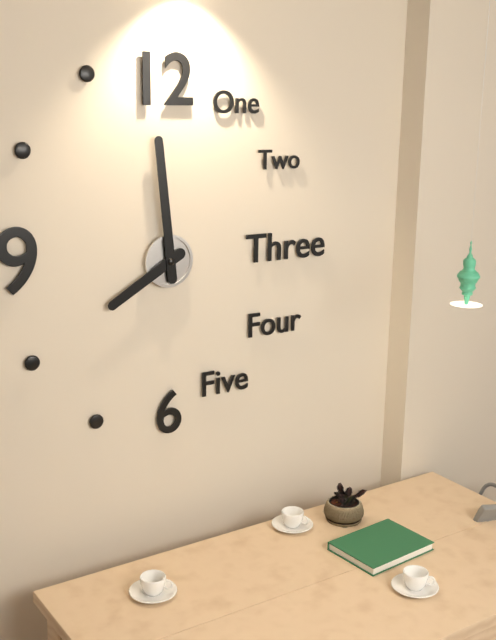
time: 7:59
